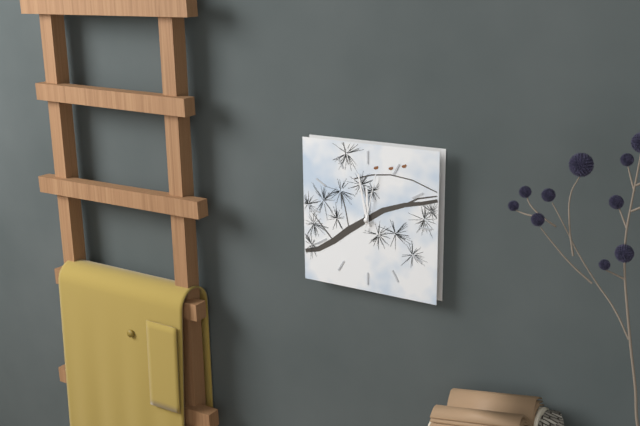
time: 11:58:02
